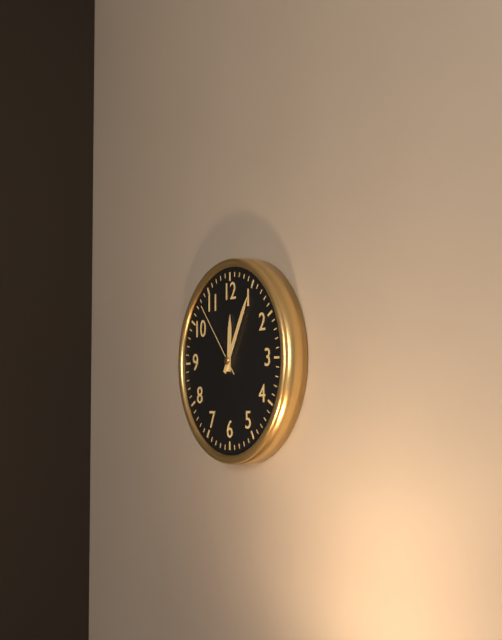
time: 12:05:53
